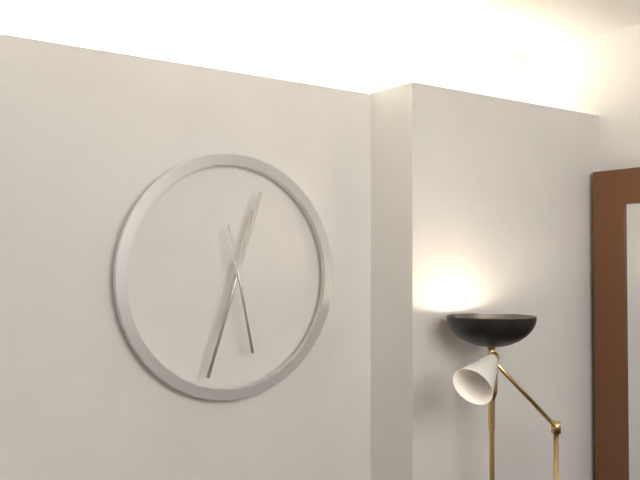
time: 12:33:28
